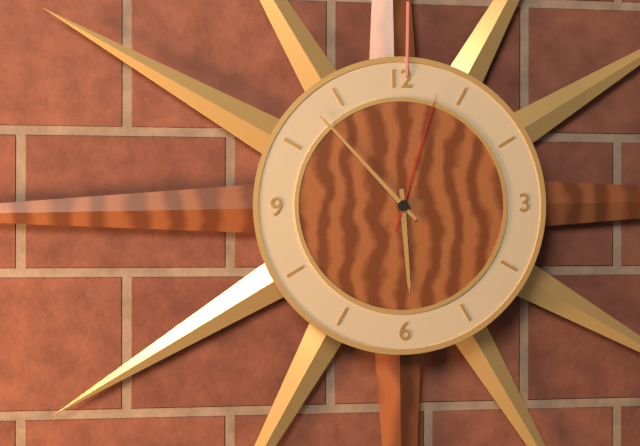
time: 5:53:03
